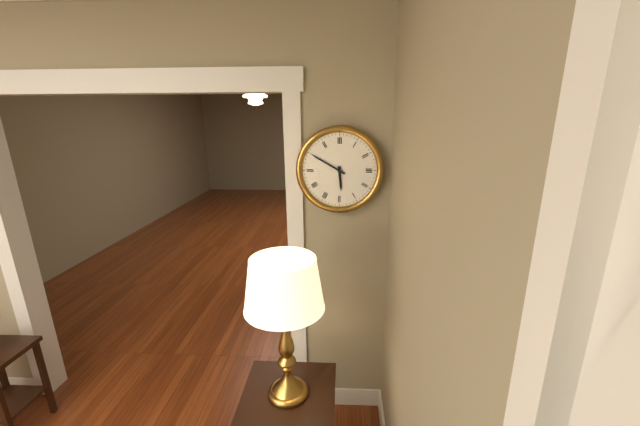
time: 5:50
